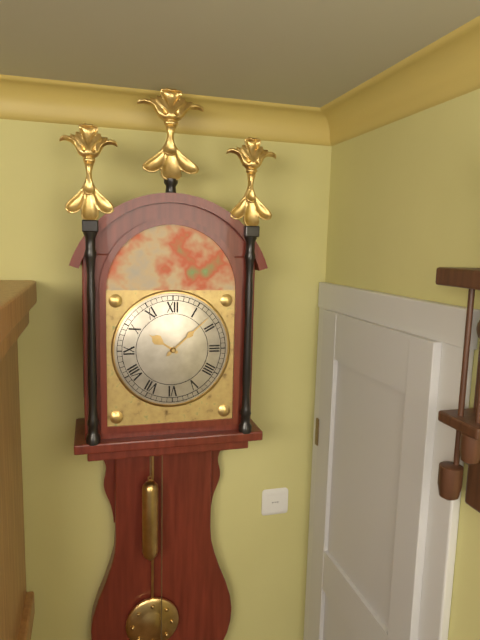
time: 10:08
